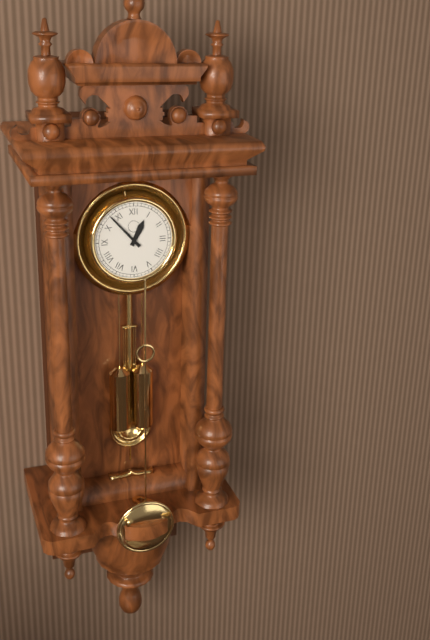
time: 12:53
